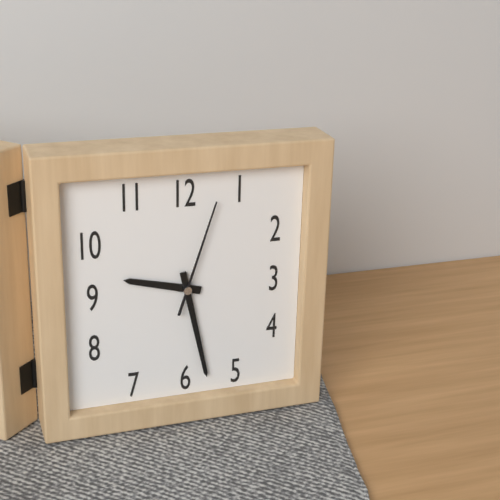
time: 9:28:03
